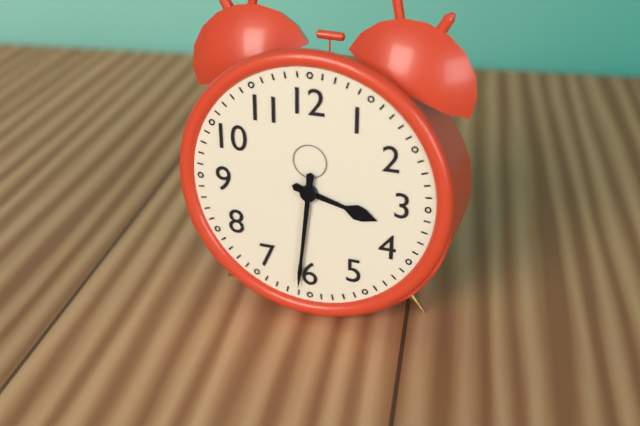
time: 3:31
